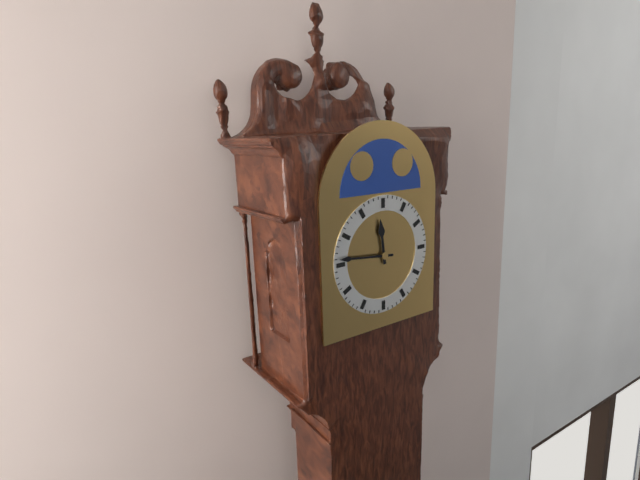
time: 11:46
